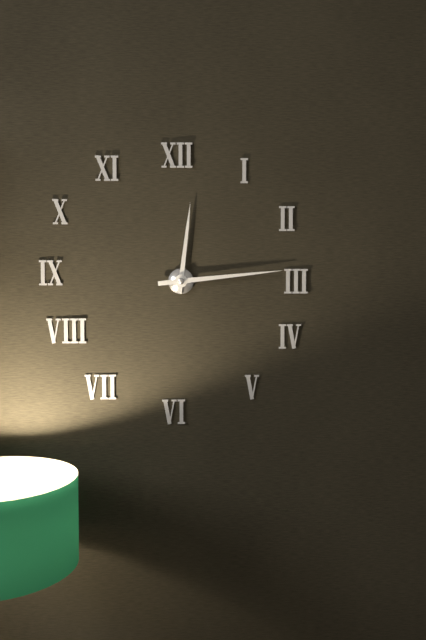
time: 12:14
